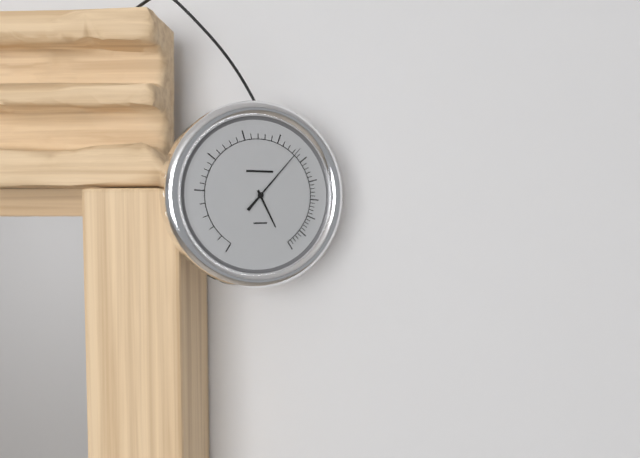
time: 5:07
